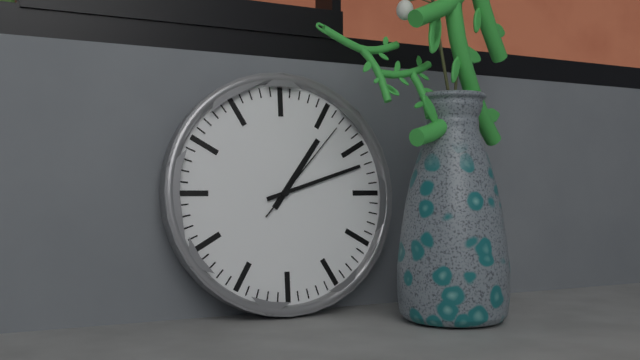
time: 1:12:07
